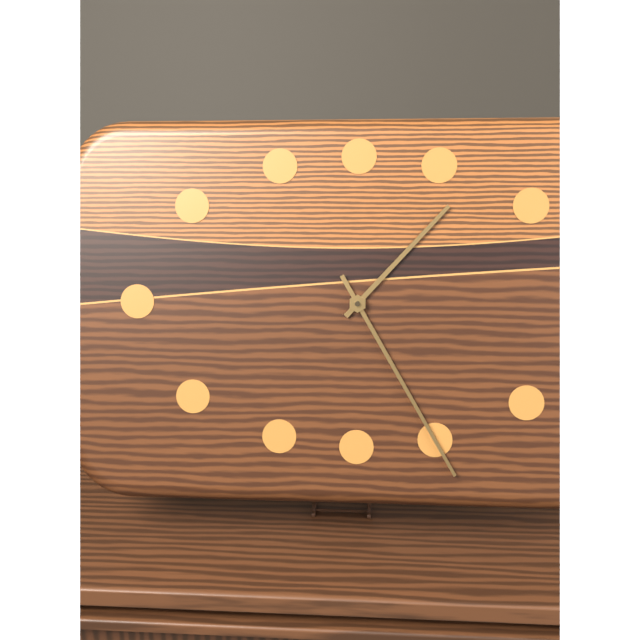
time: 1:25
